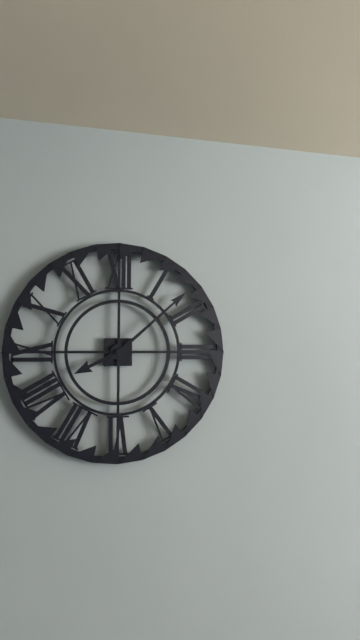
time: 8:08
